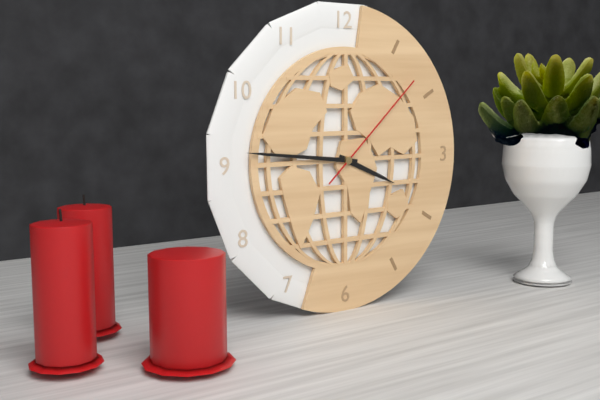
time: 3:46:08
